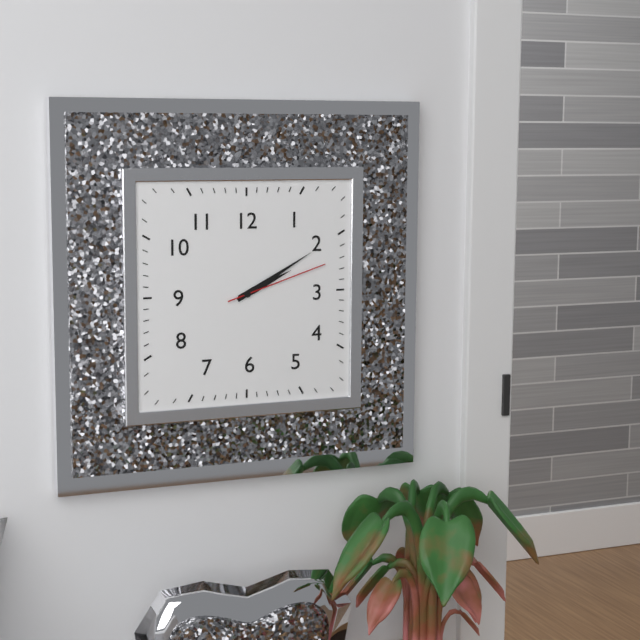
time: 2:10:12
